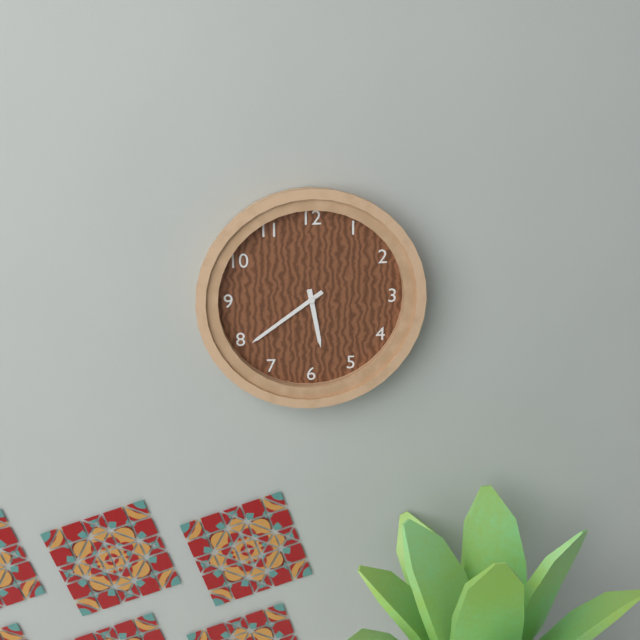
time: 5:39
